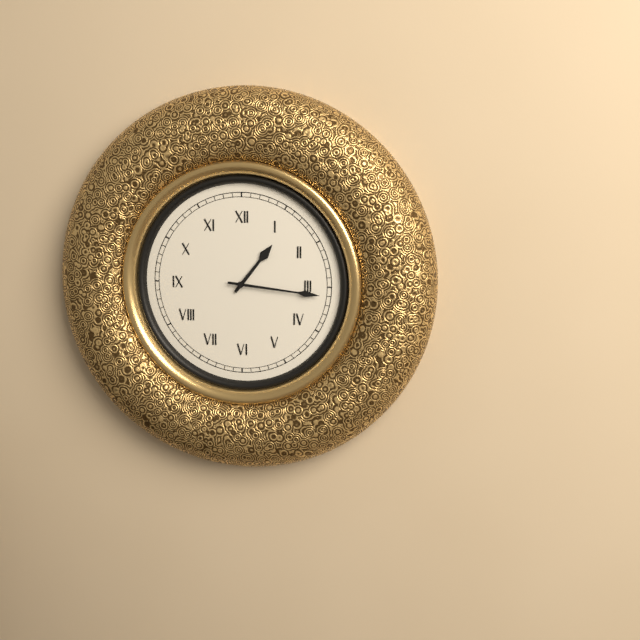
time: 1:16
